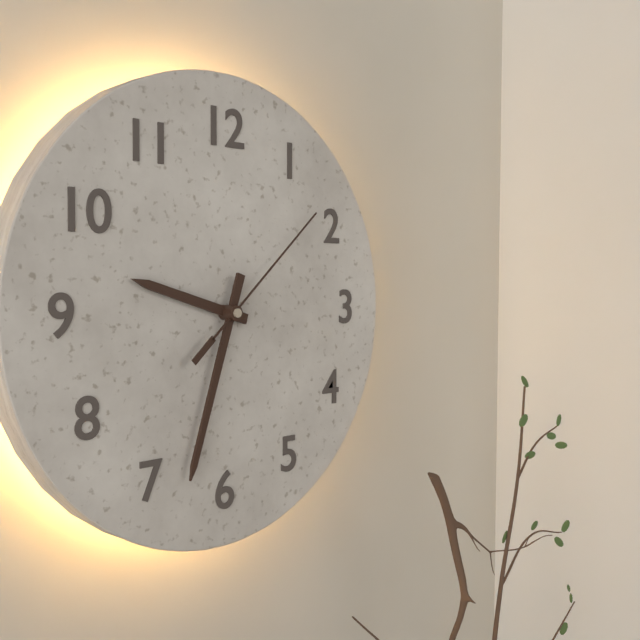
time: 9:33:08
